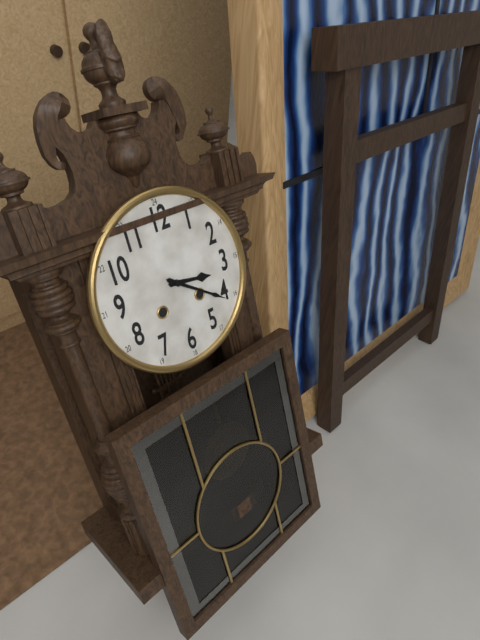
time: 3:21
